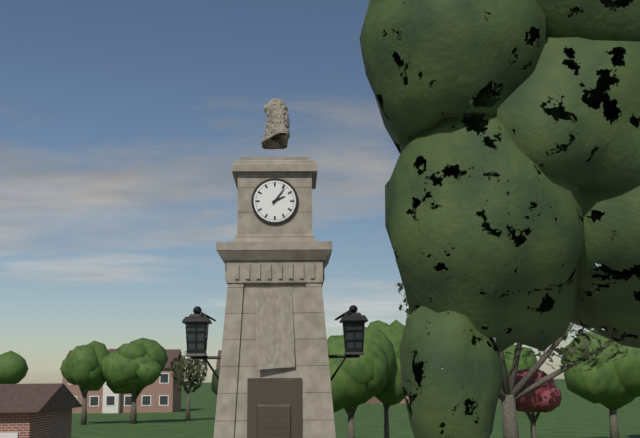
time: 2:06
